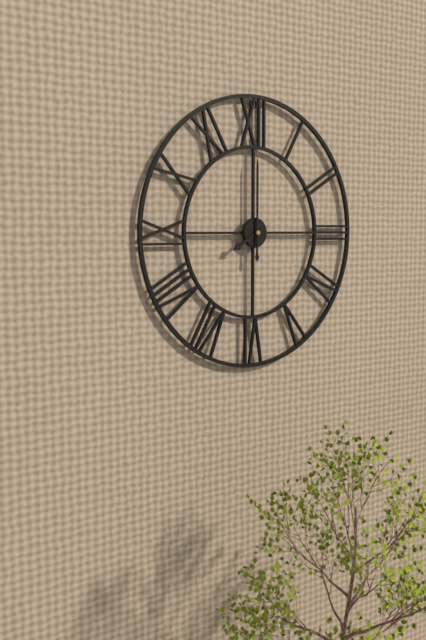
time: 8:00
